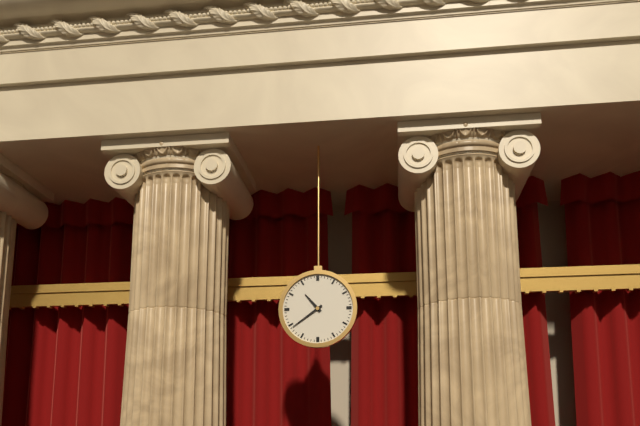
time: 10:39
